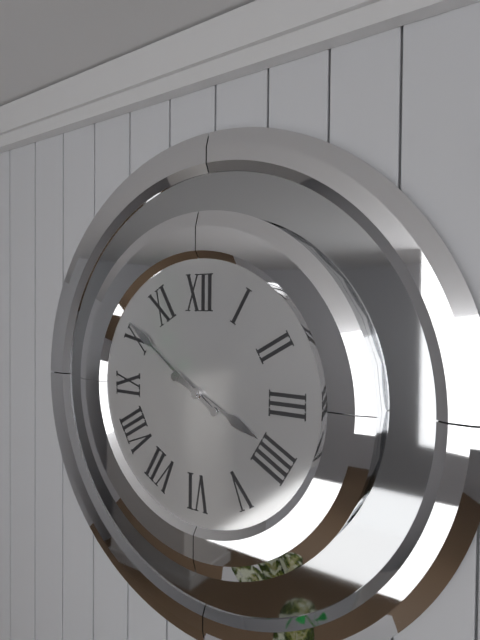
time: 3:51
